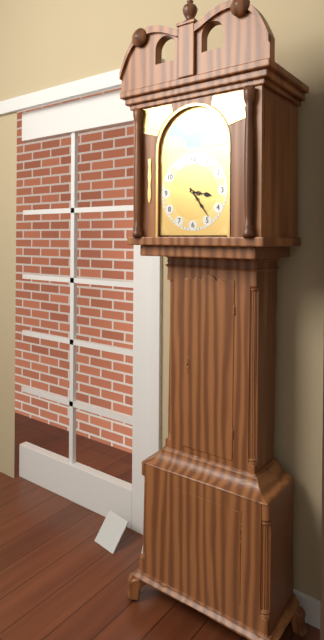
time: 3:24
